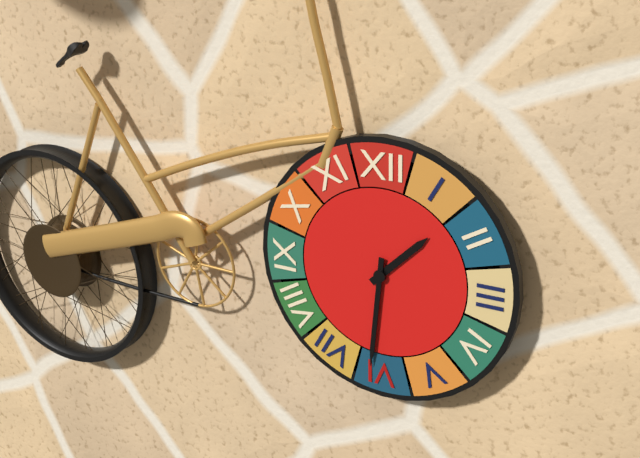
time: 1:31
